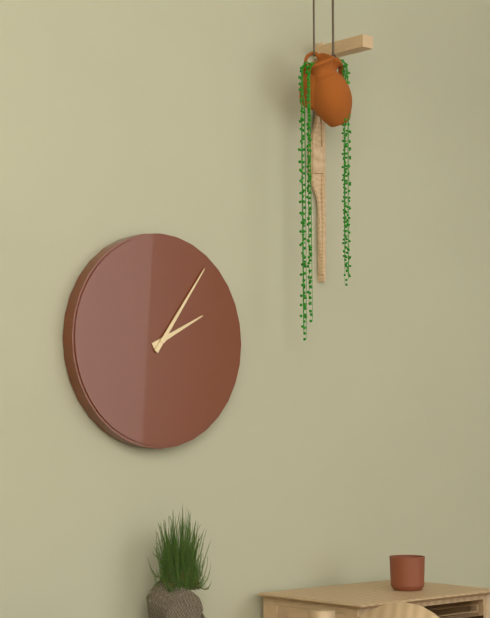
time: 2:06
